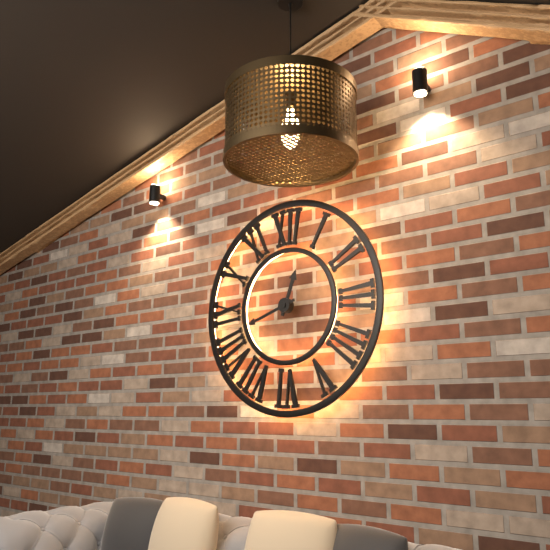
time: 12:42
